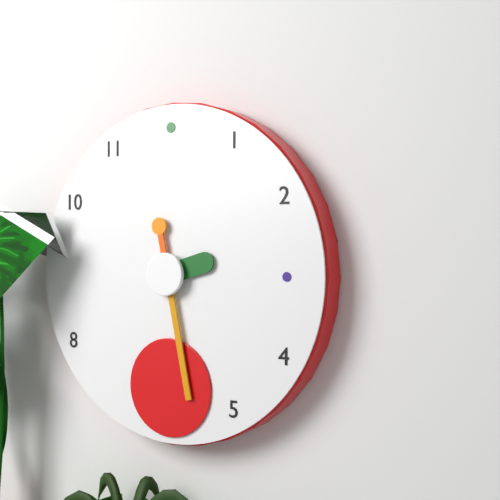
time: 2:28
